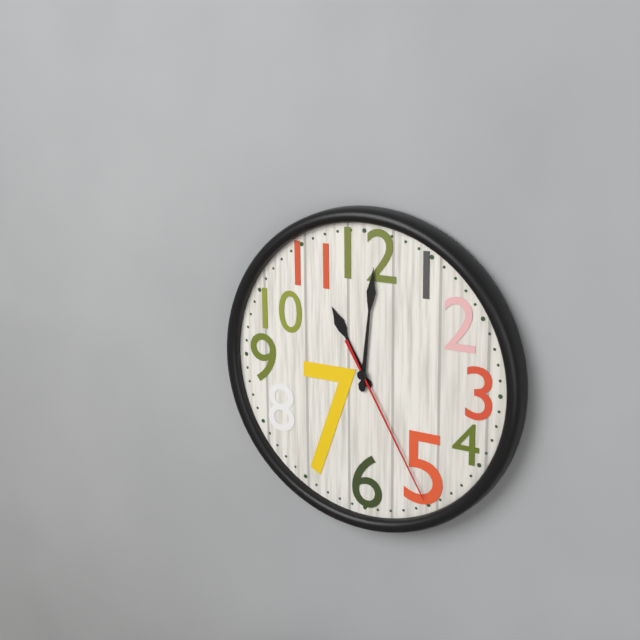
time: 11:01:25
